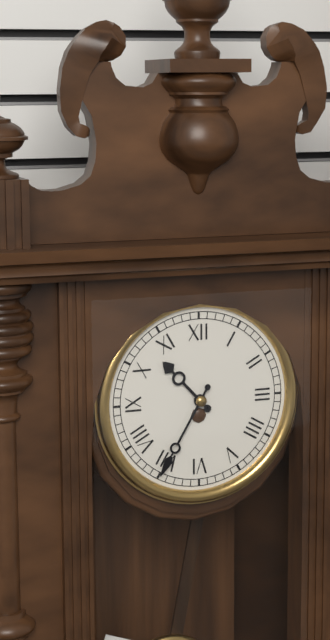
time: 10:35
